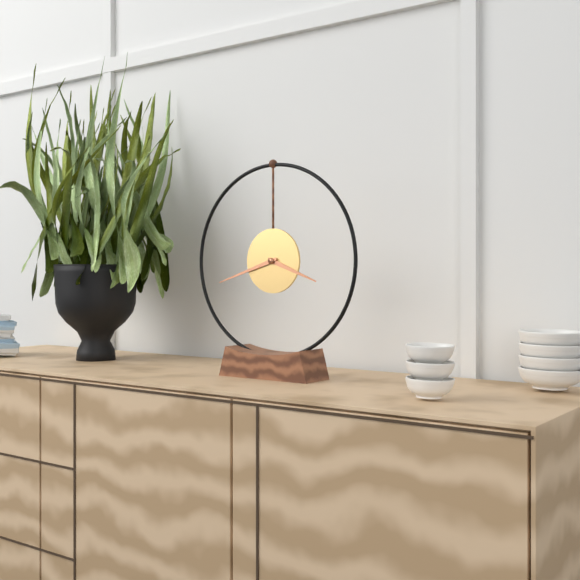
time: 3:42
